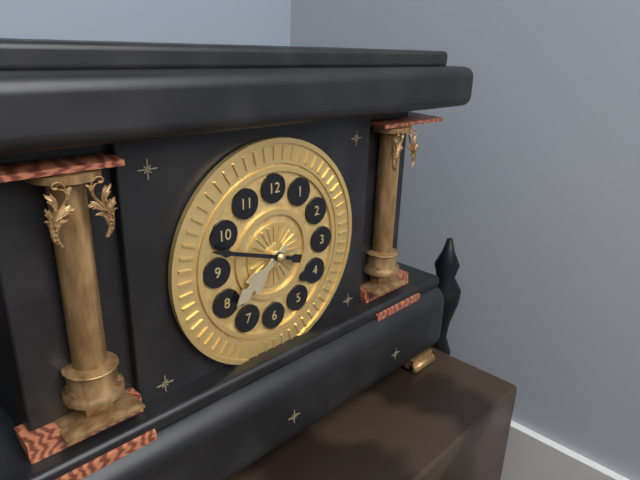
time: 7:48
